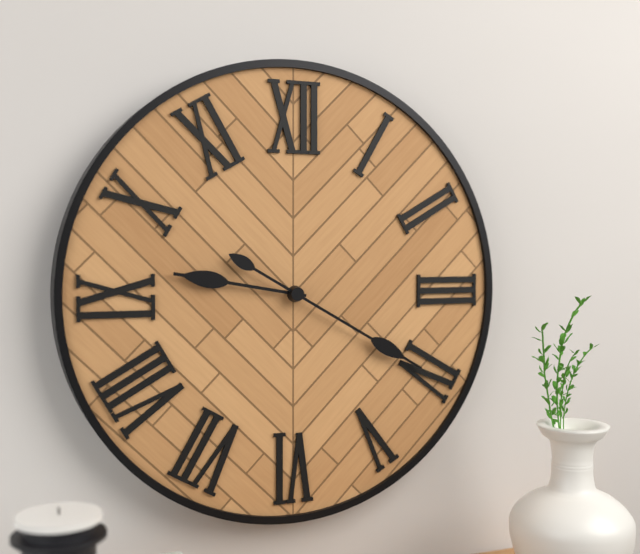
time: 9:20
